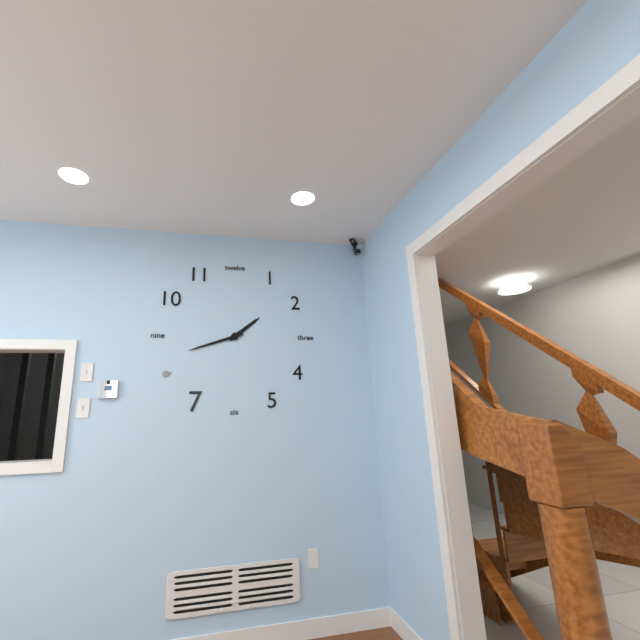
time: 1:42
